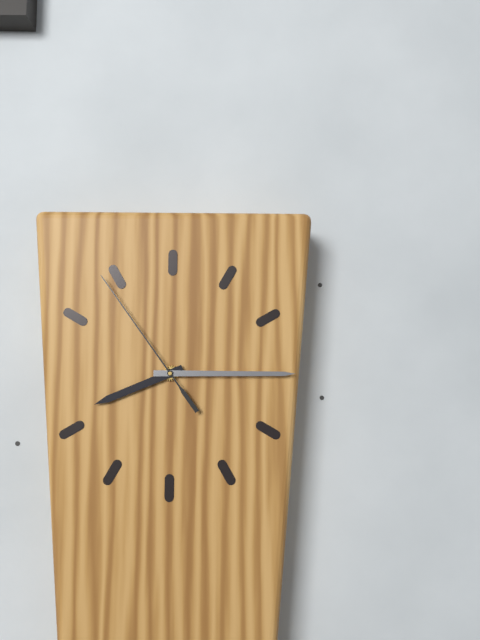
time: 8:15:54
